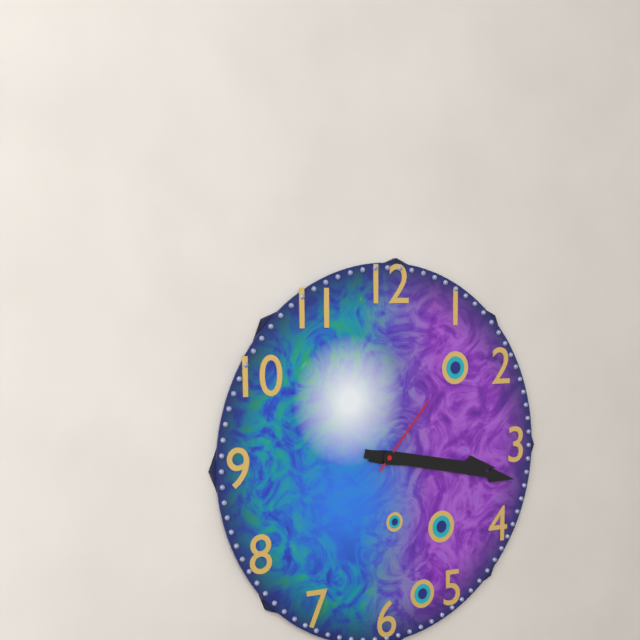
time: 3:17:07
